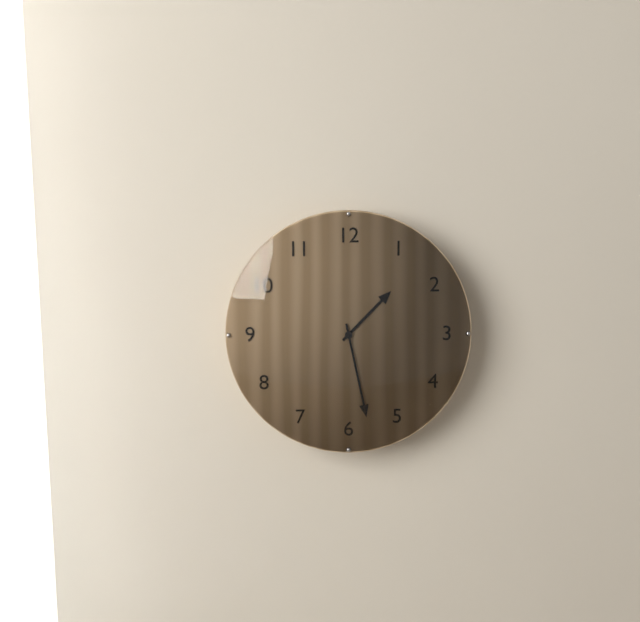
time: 1:28
